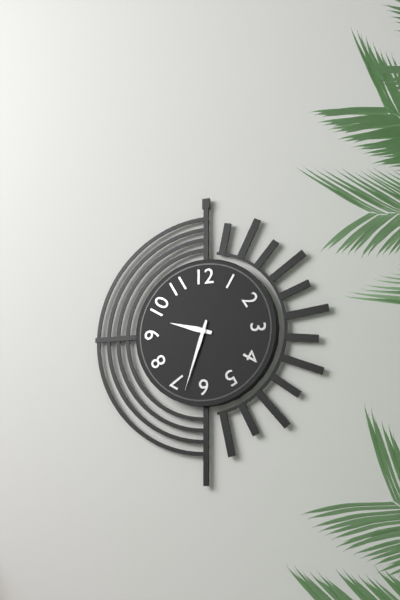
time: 9:33
